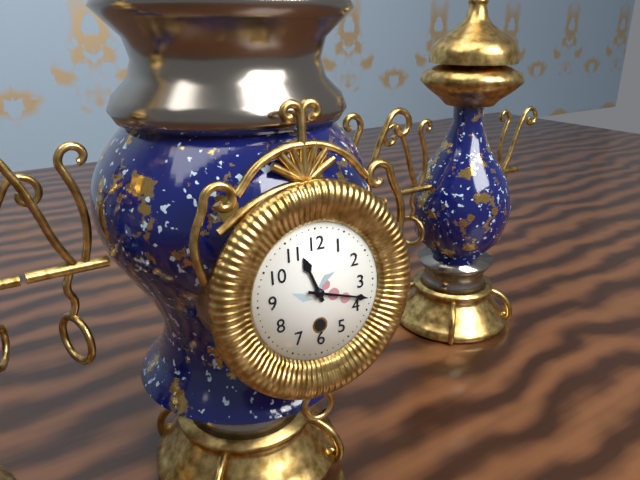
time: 11:18
